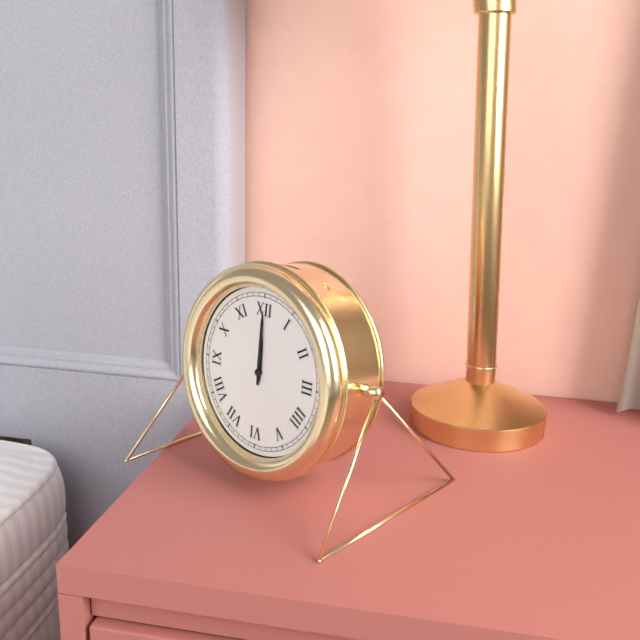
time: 12:00
